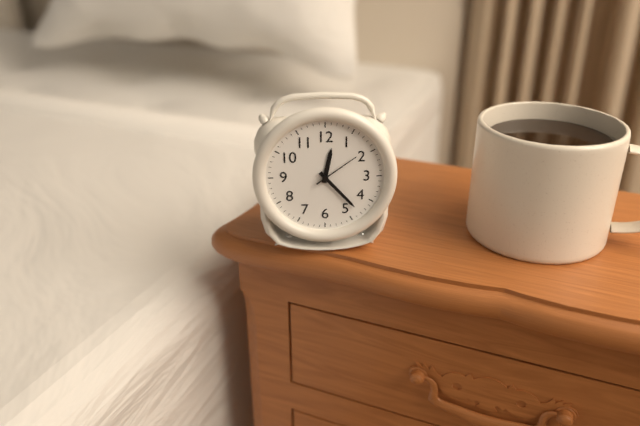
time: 12:23
